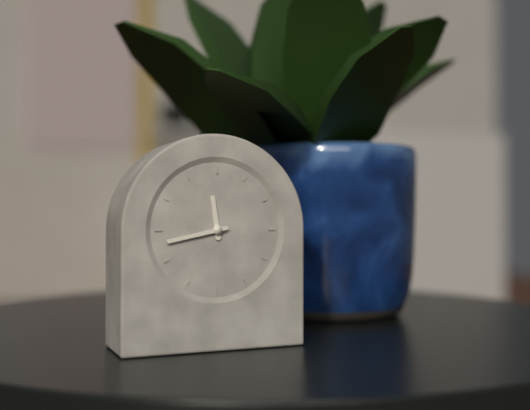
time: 11:43
